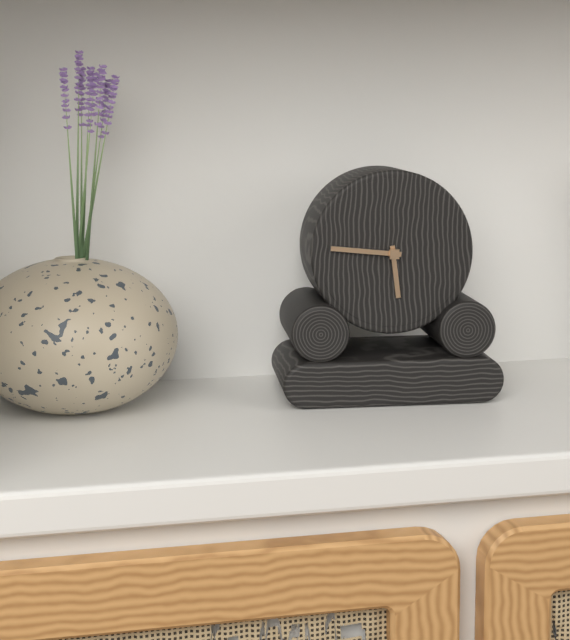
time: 5:46
